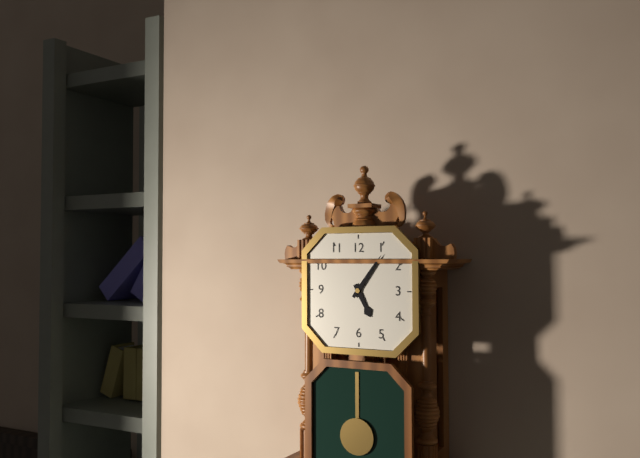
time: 5:06
